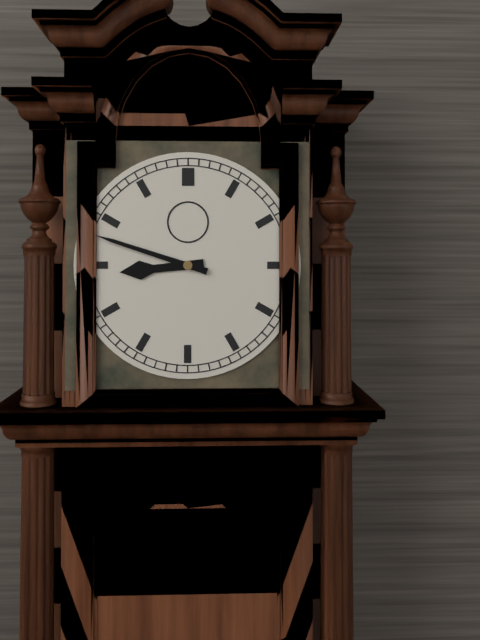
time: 8:48
